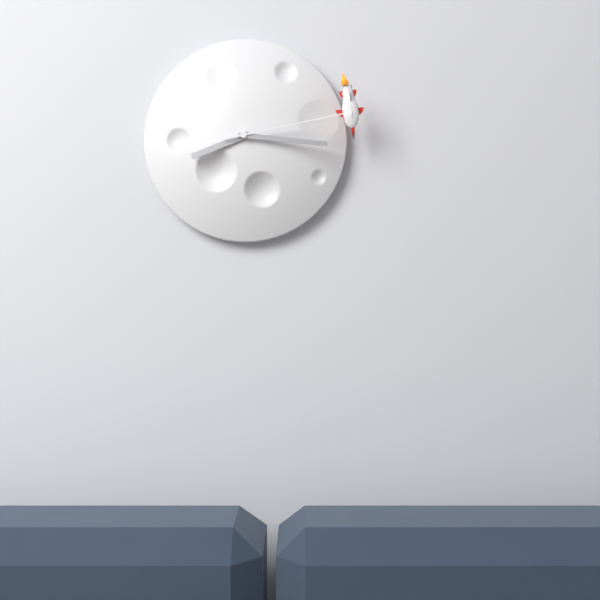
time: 8:16:13
